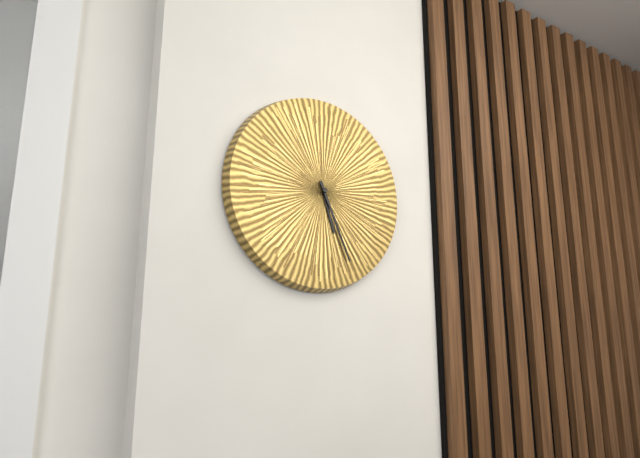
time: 5:26
